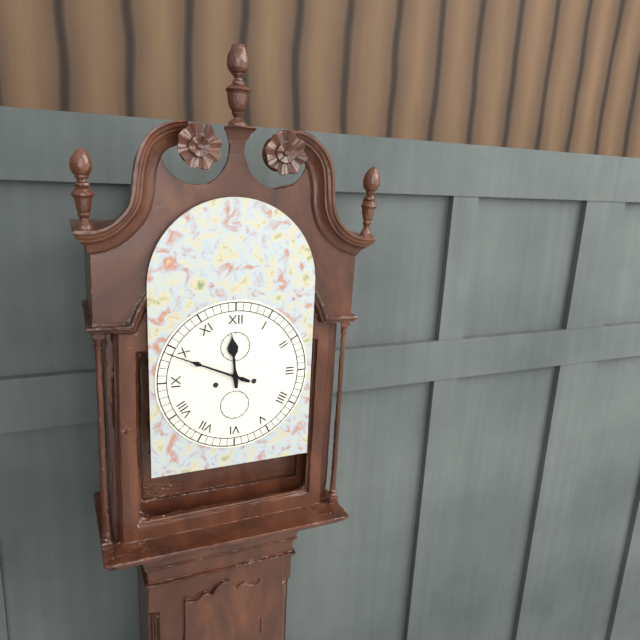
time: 11:49
